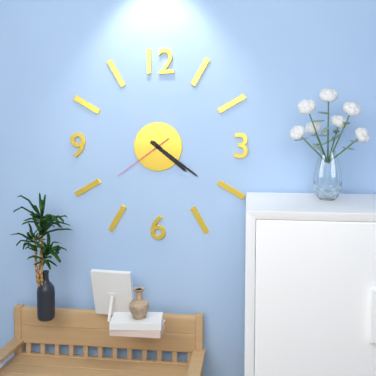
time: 4:21:39
